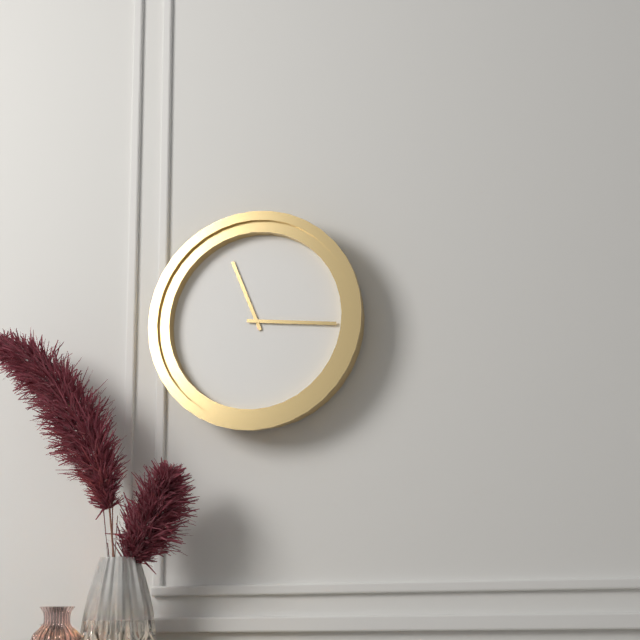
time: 11:16
